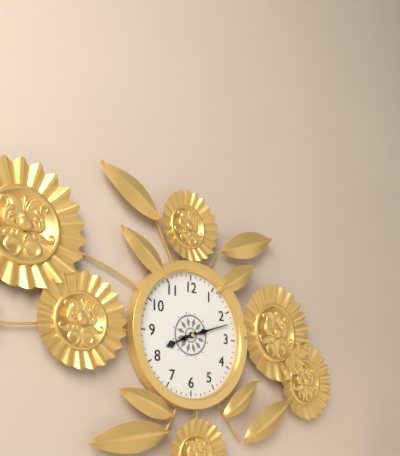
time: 8:12
